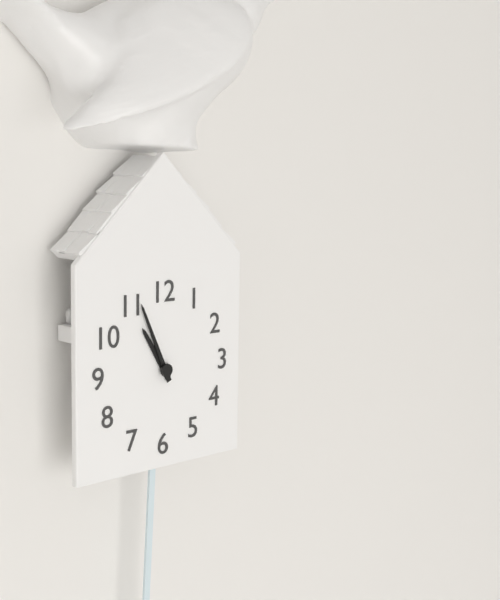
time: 10:56
